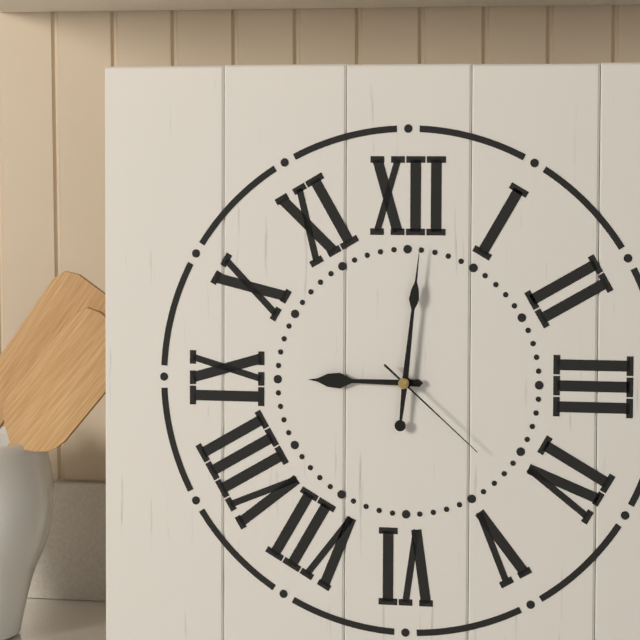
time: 9:01:22
